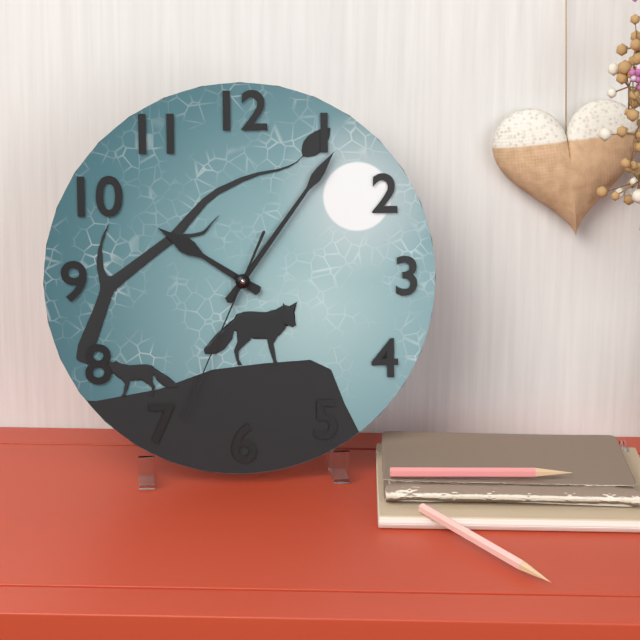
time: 10:06:34
